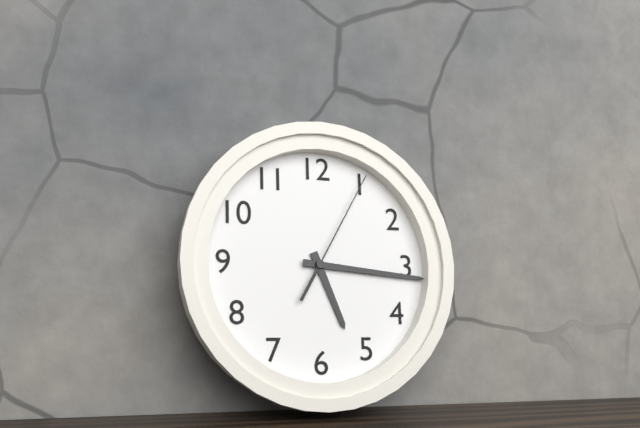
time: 5:16:05
